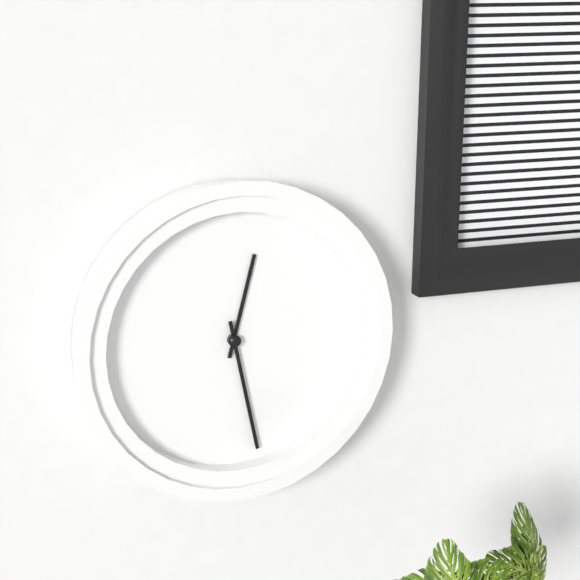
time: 12:28
